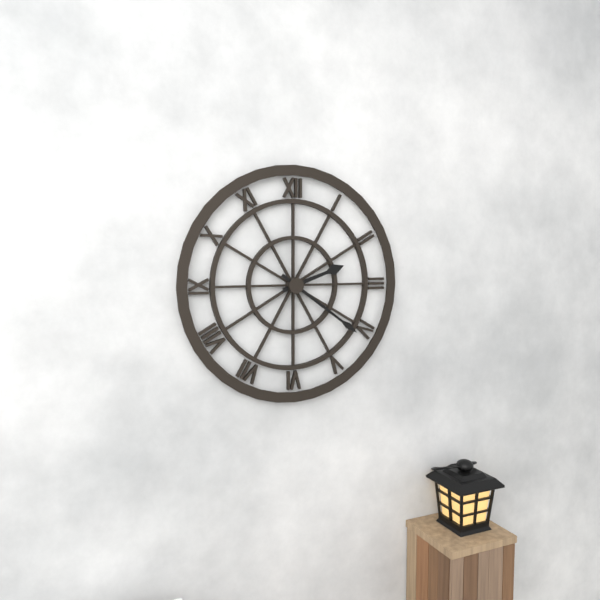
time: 2:21
